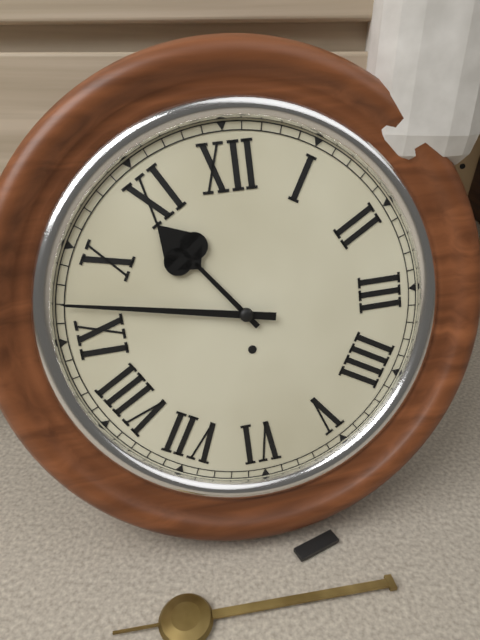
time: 10:47
